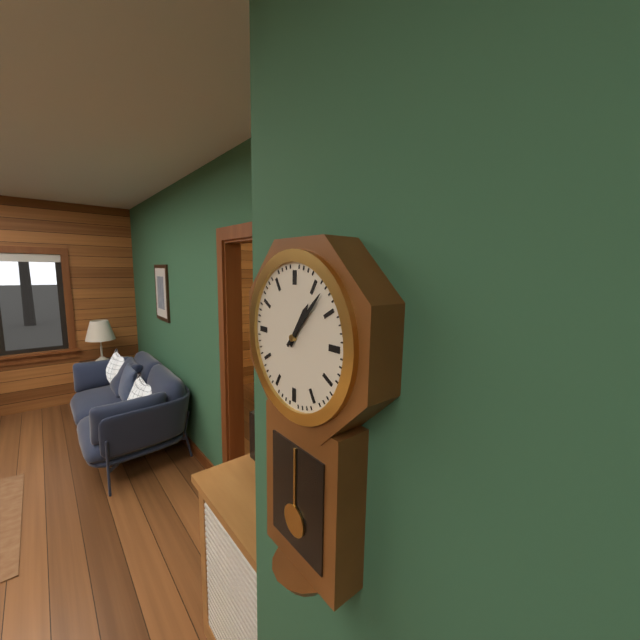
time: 1:07
